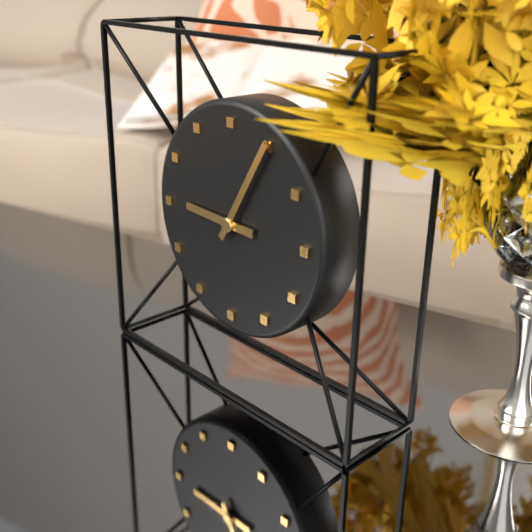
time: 9:05
